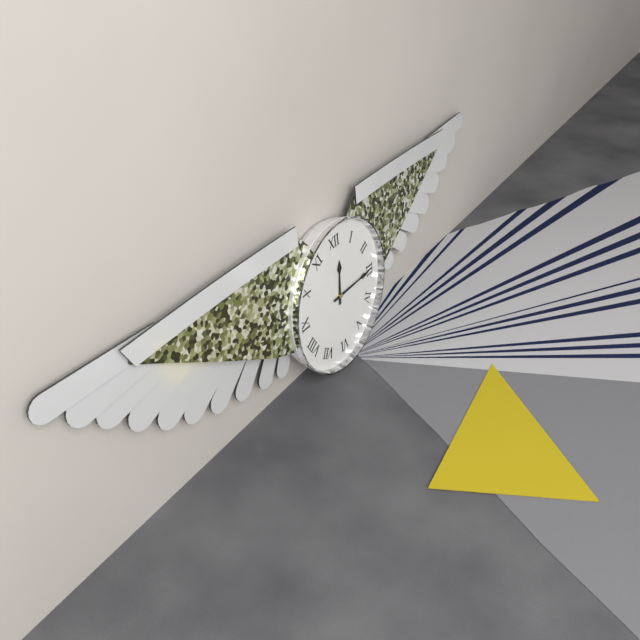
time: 12:15
